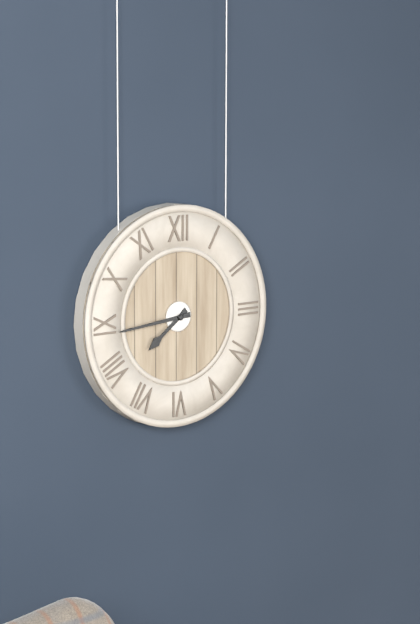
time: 7:44
